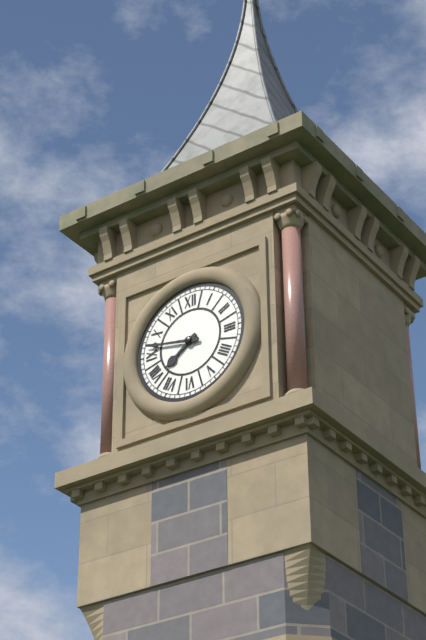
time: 7:47
